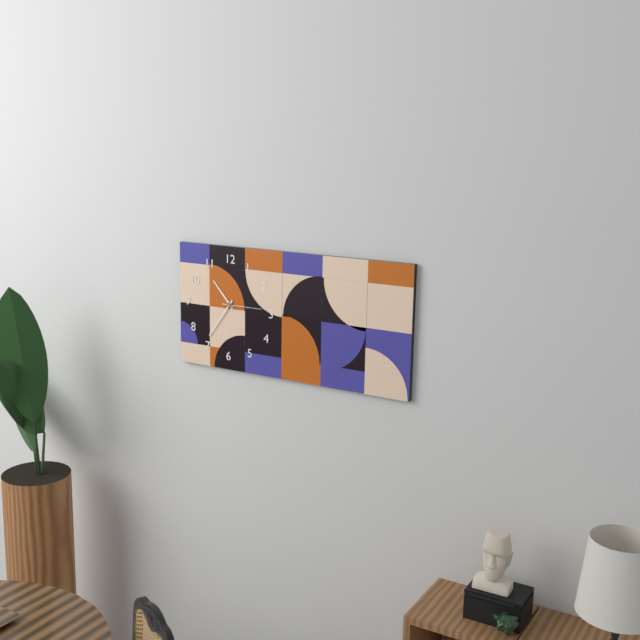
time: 10:36
